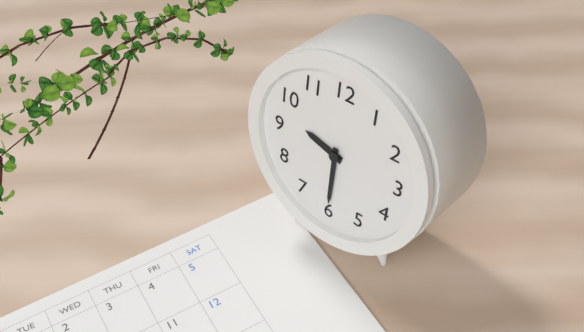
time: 9:30
